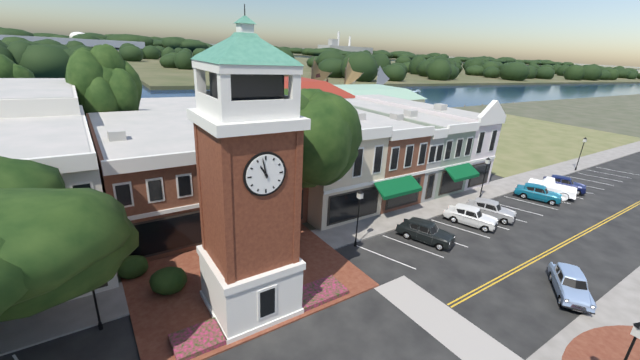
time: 10:58
